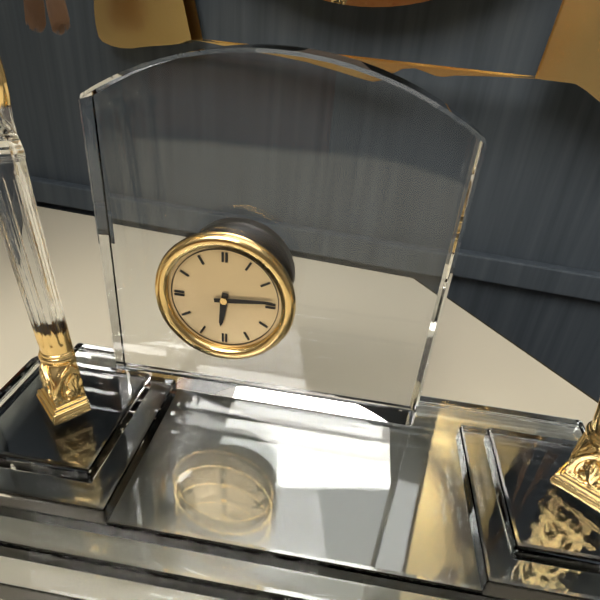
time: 6:14
